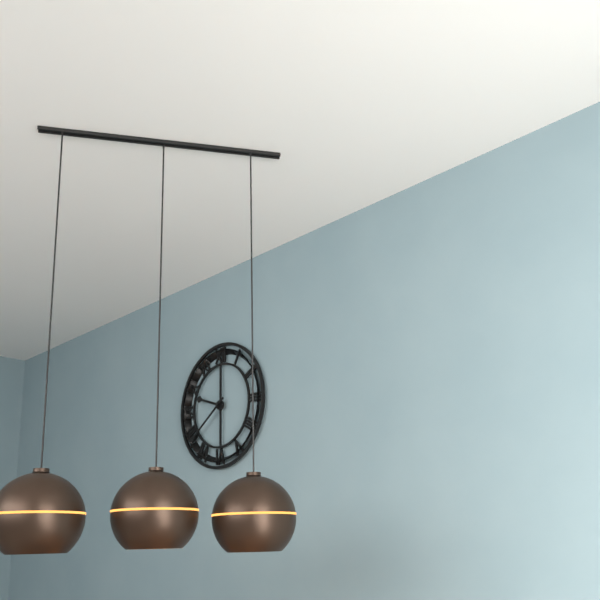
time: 9:39
